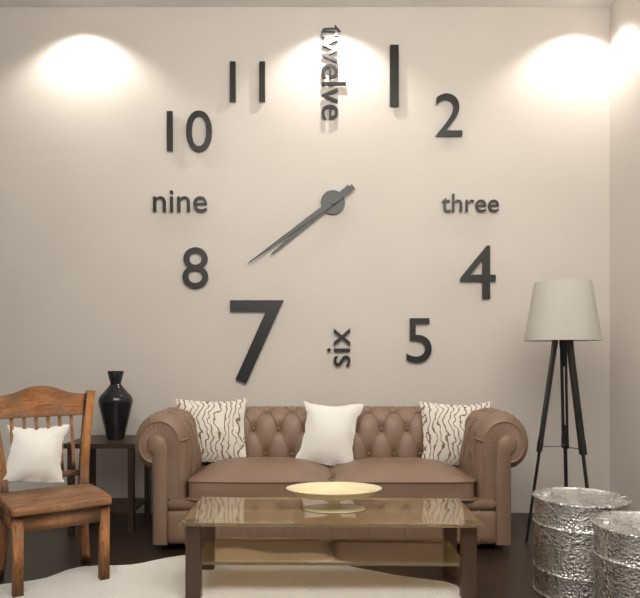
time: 7:39
